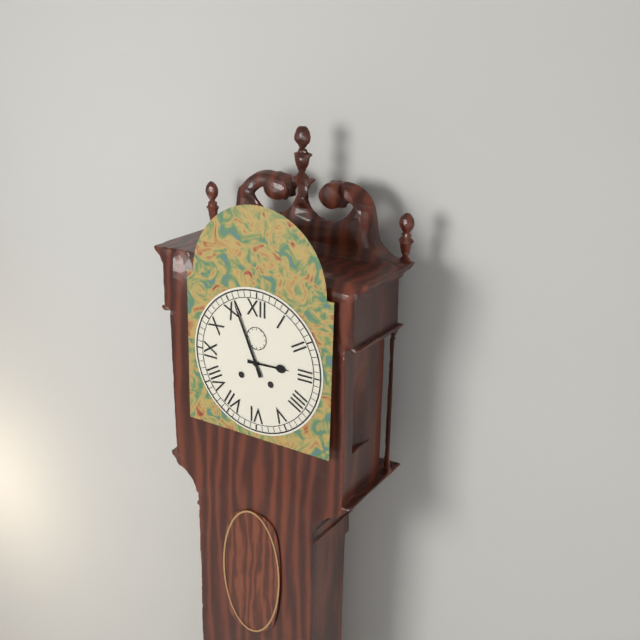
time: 2:56
